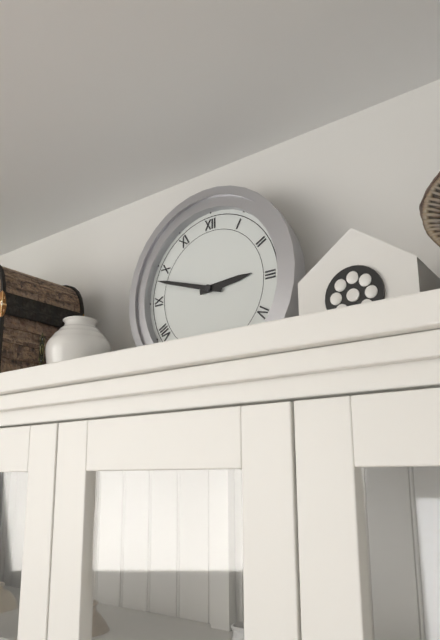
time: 2:48
